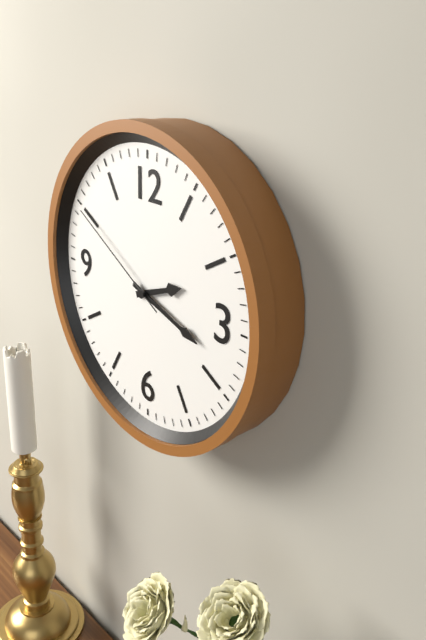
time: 2:18:50
